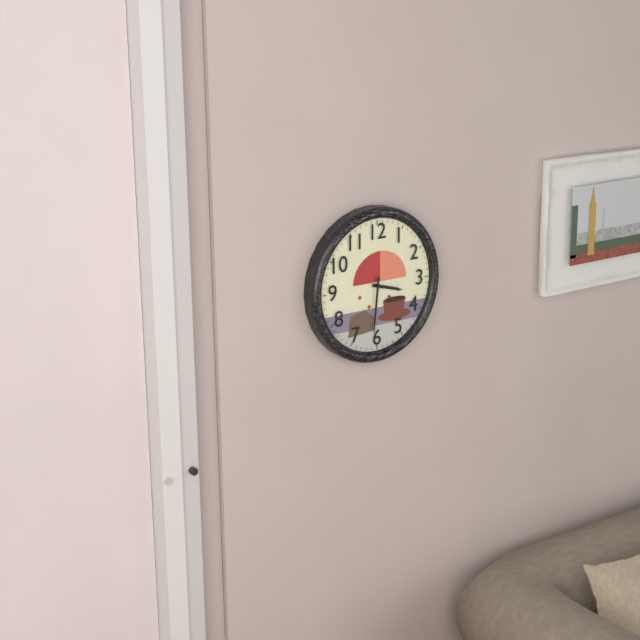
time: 3:31
